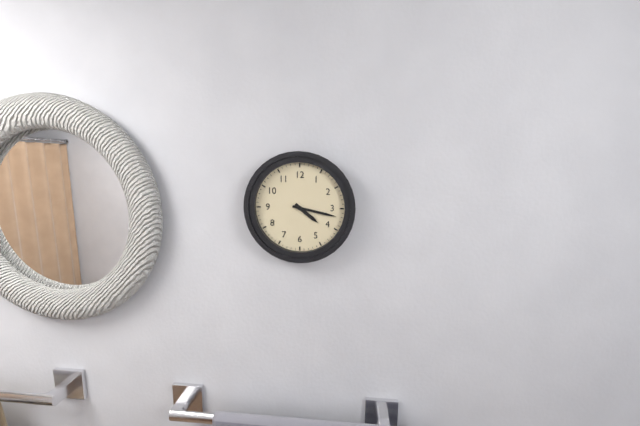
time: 4:17
